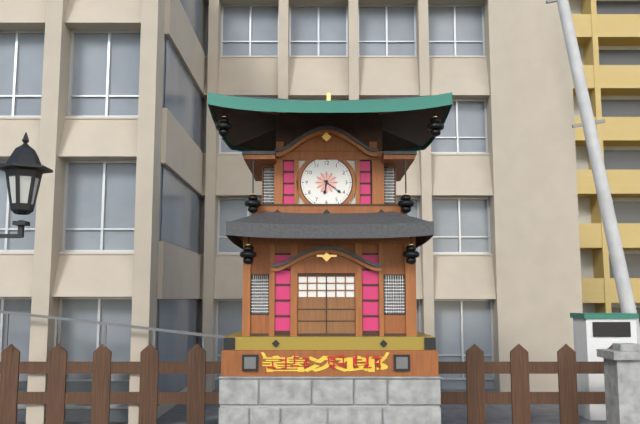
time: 6:21
